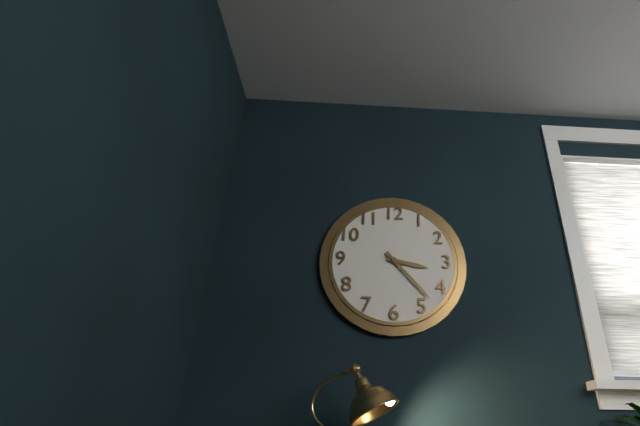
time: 3:23
